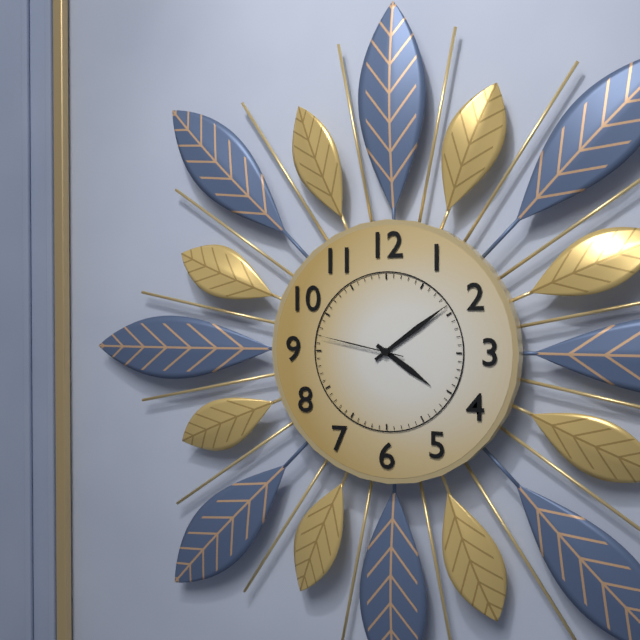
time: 4:09:47
